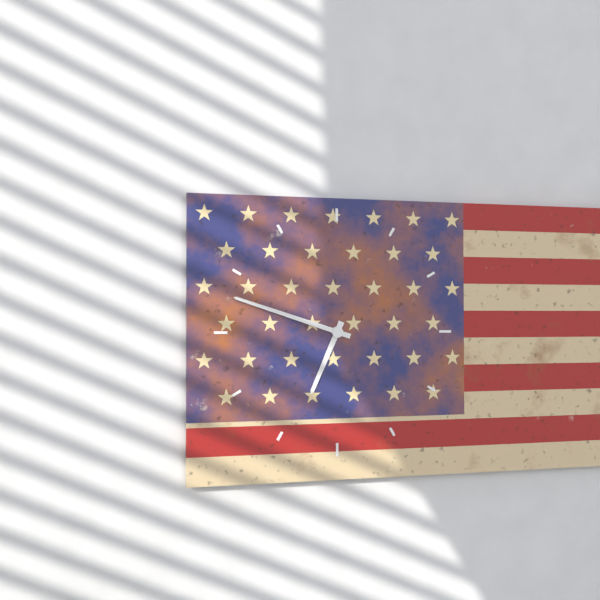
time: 6:48
